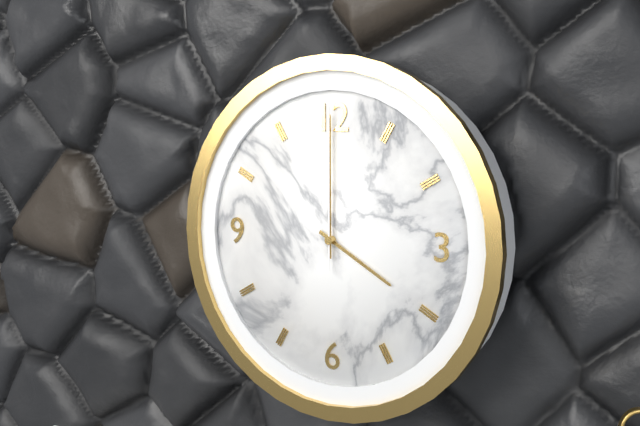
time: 4:00:00
